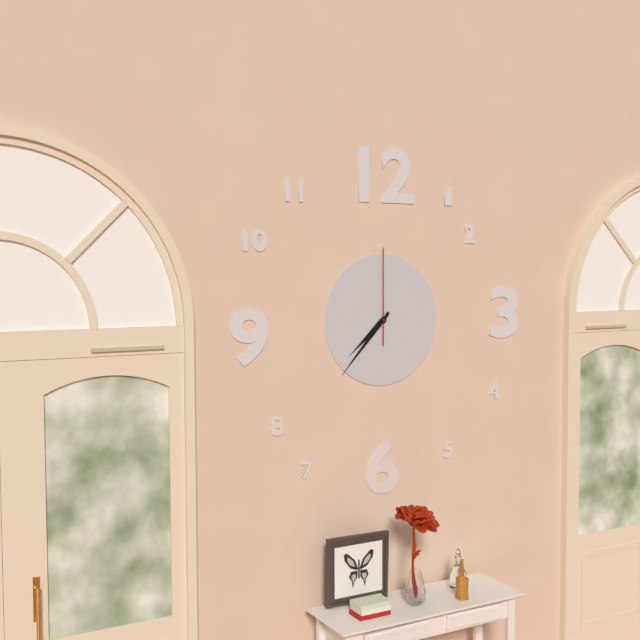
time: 7:37:00
